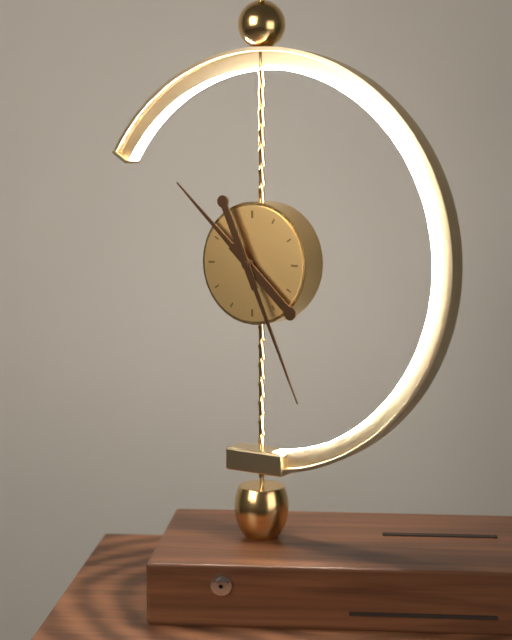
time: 10:26
